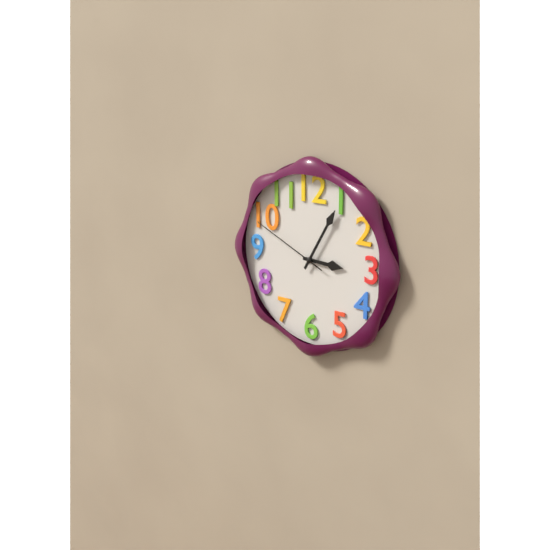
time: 3:05:49
